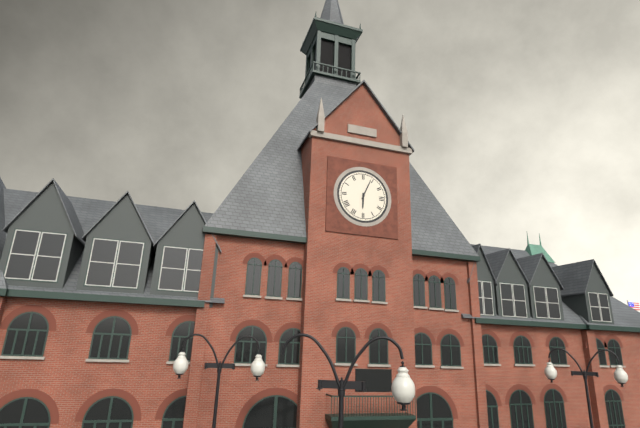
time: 6:04
